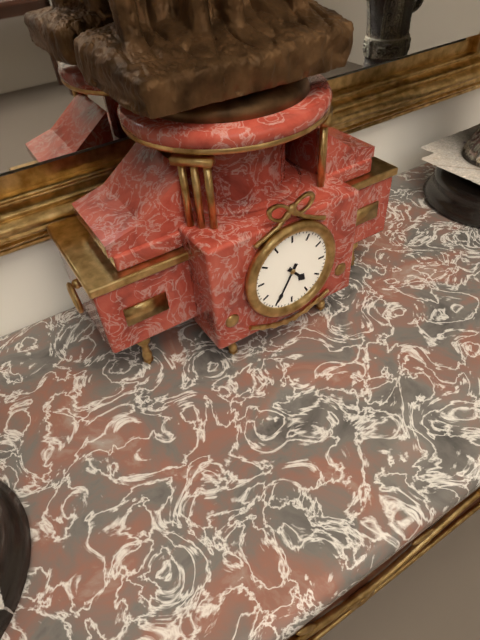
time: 4:35
